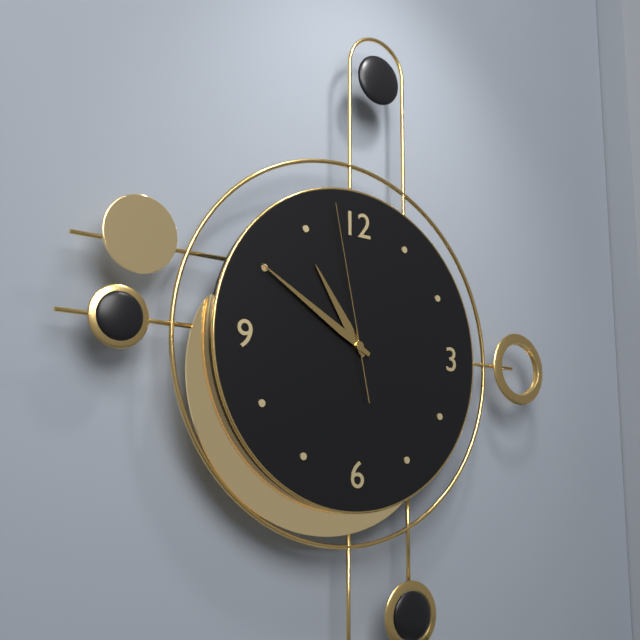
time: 10:50:58
